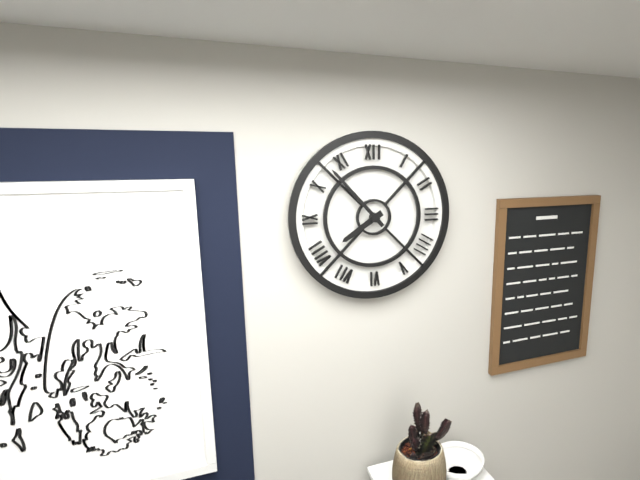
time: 7:53
